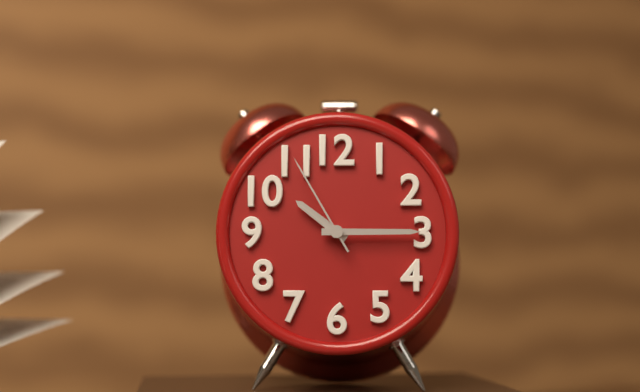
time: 10:15:55
